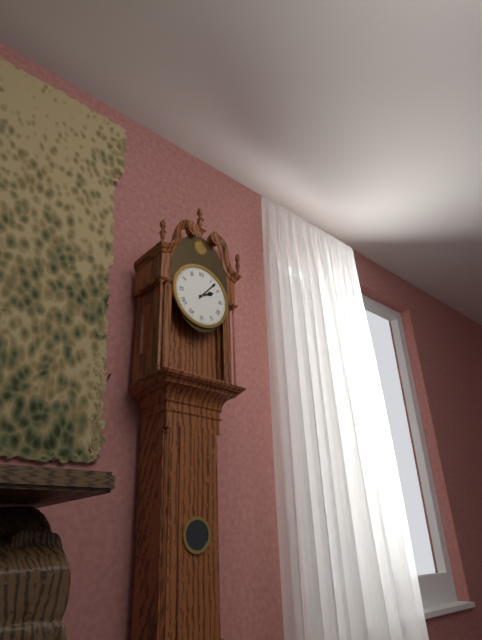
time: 2:07
